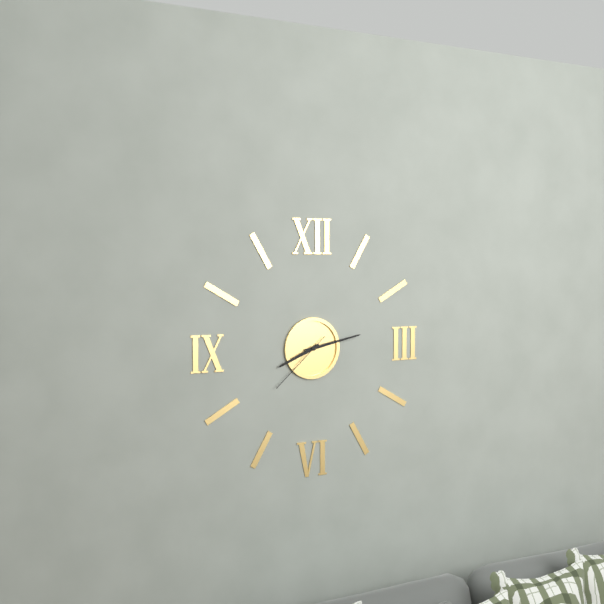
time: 8:13:38
